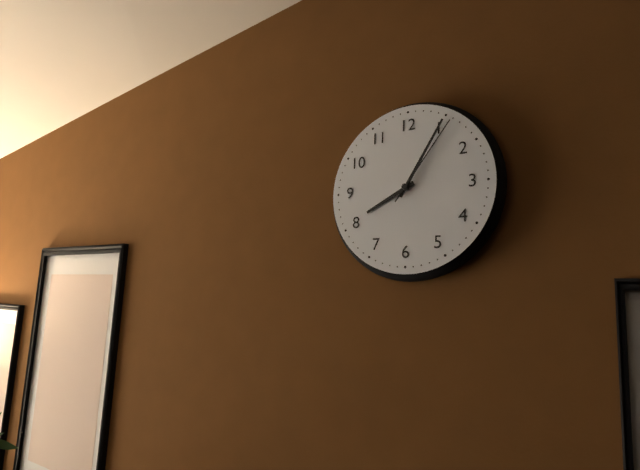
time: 8:05:06
